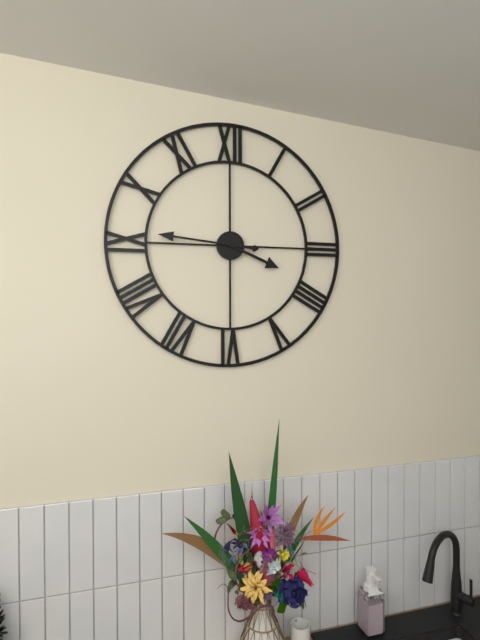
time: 3:46
